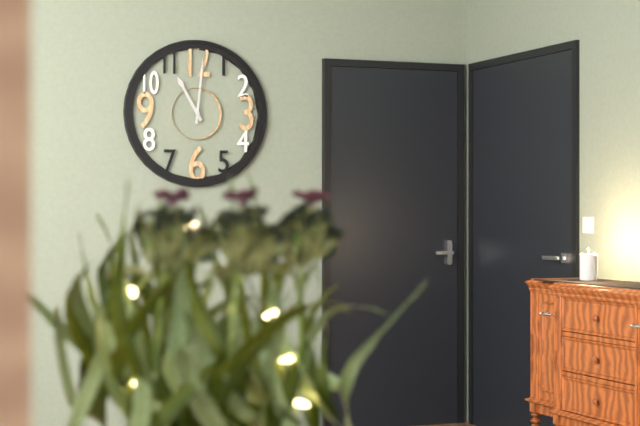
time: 11:01
